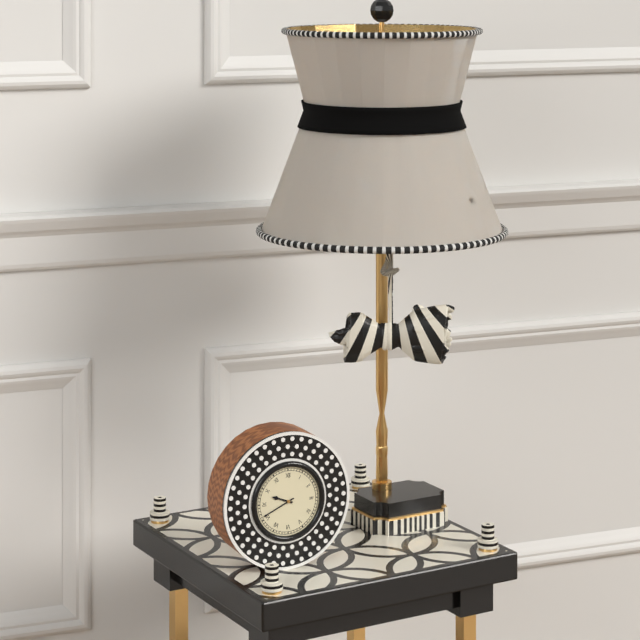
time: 9:41
